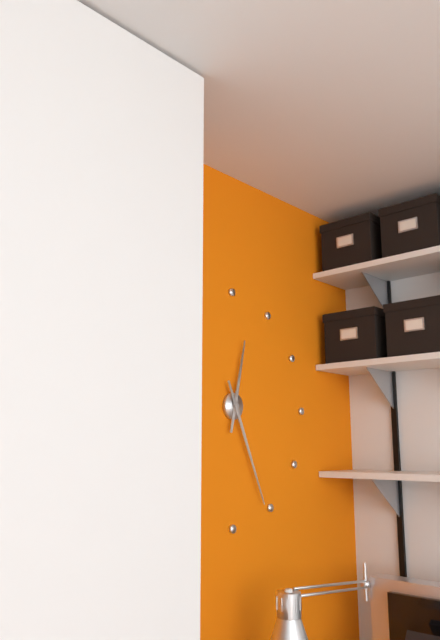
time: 12:26
